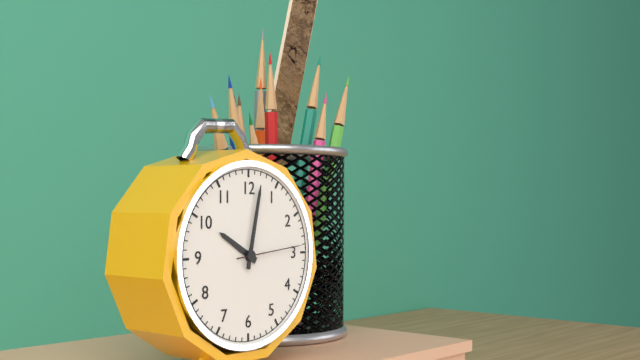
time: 10:02:14
